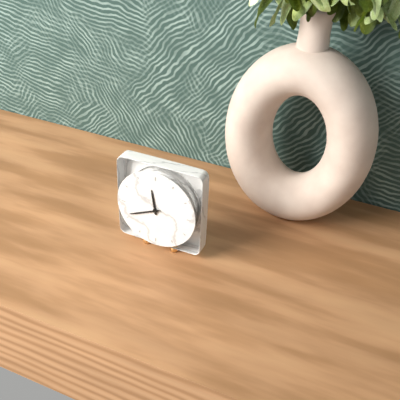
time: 11:41
